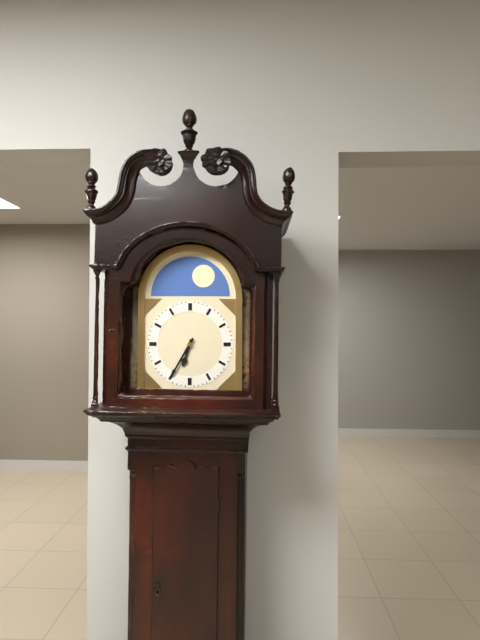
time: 6:35
